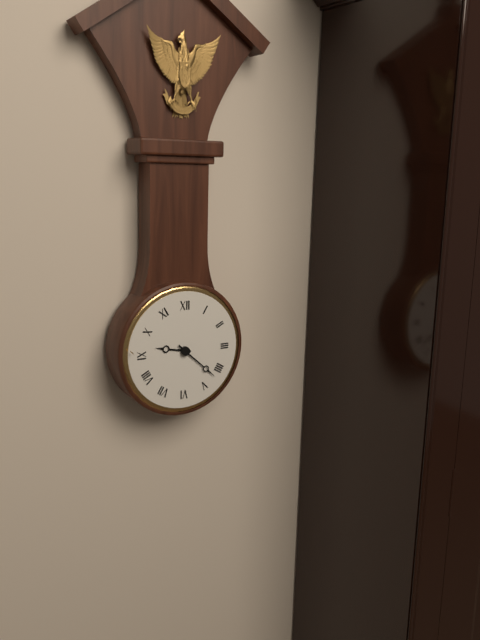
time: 9:22
